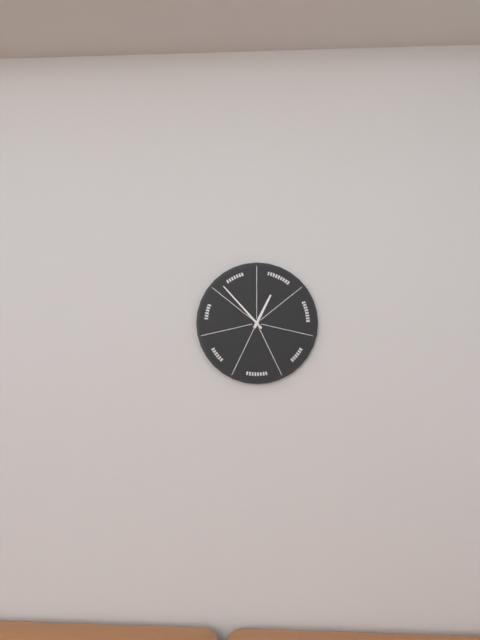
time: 12:53
